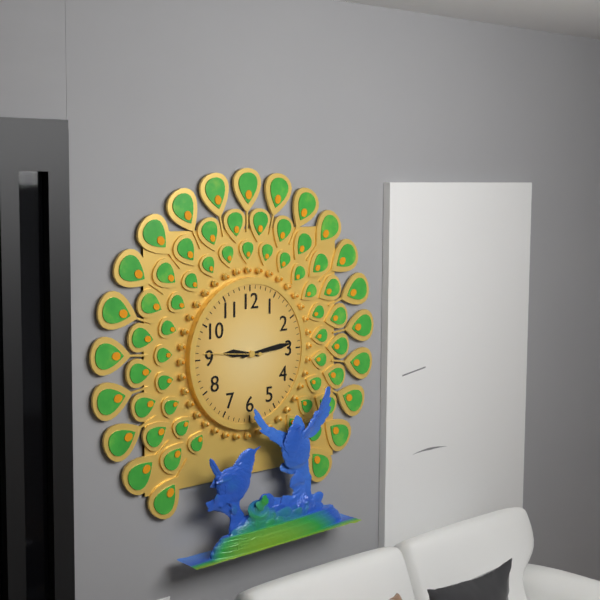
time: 9:14
